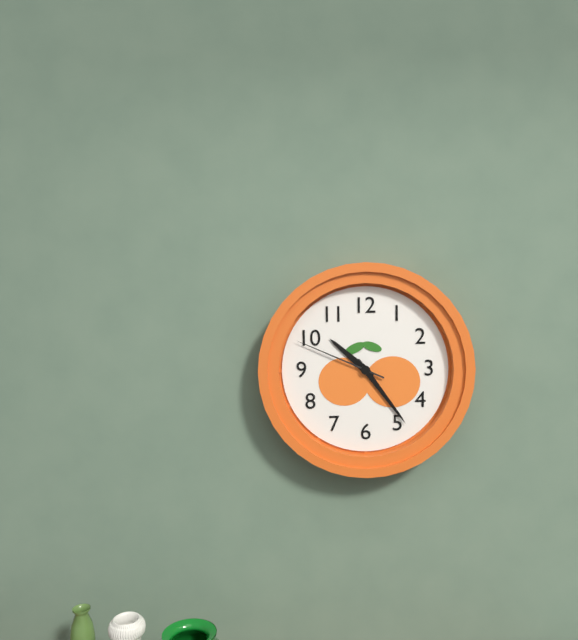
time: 10:24:49
